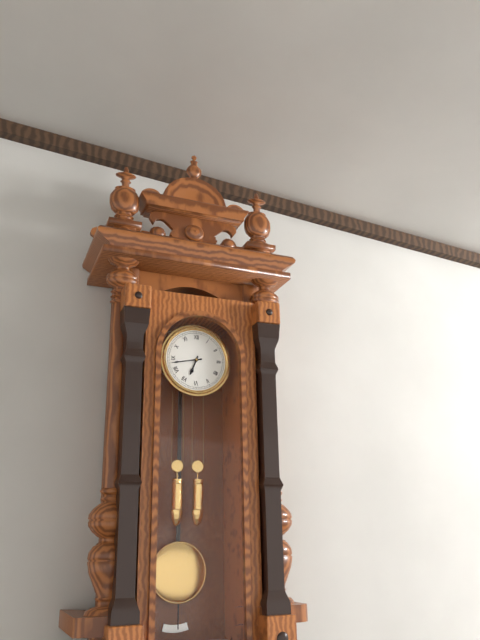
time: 6:43
